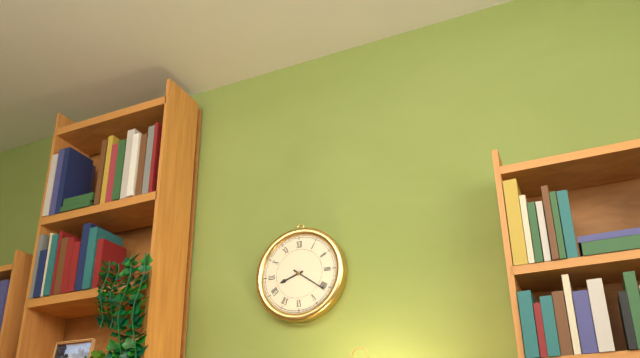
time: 8:21
